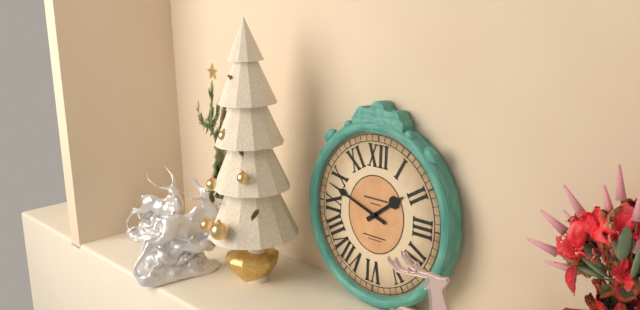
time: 1:48
